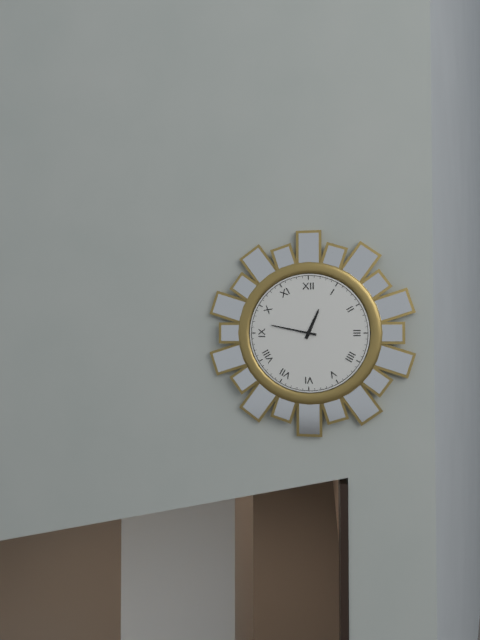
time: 12:47
